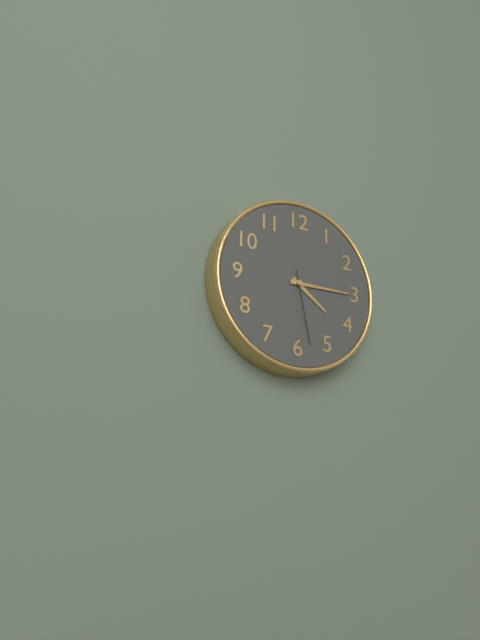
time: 4:15:28
